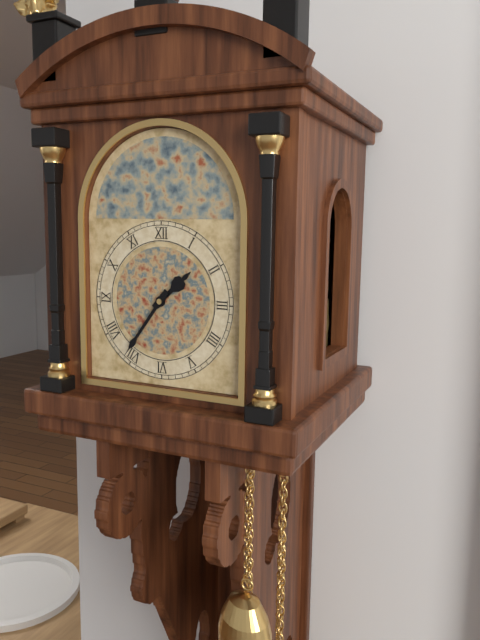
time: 1:36
